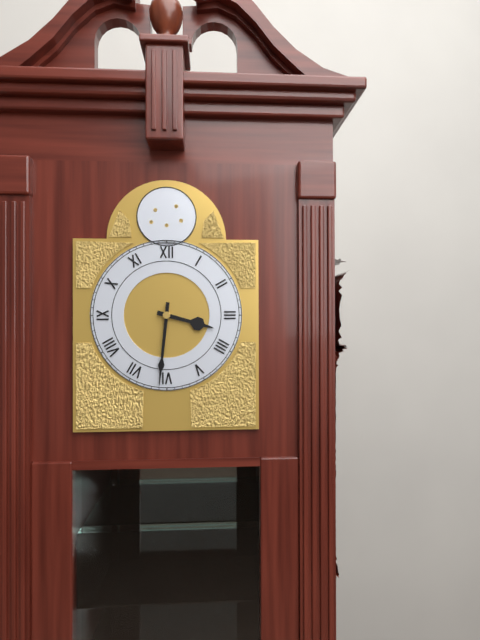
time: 3:31
